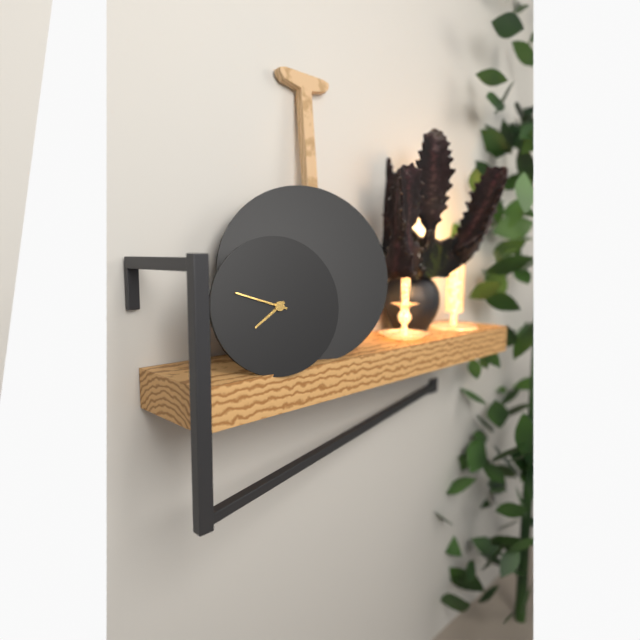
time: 7:48
